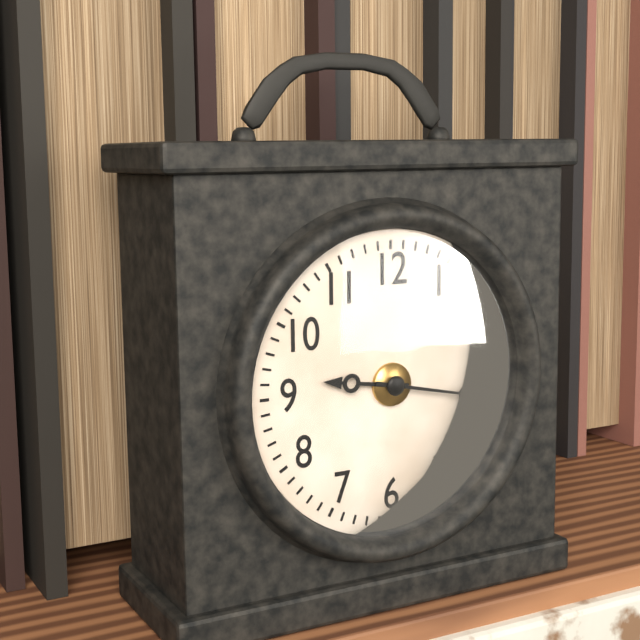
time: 9:17
